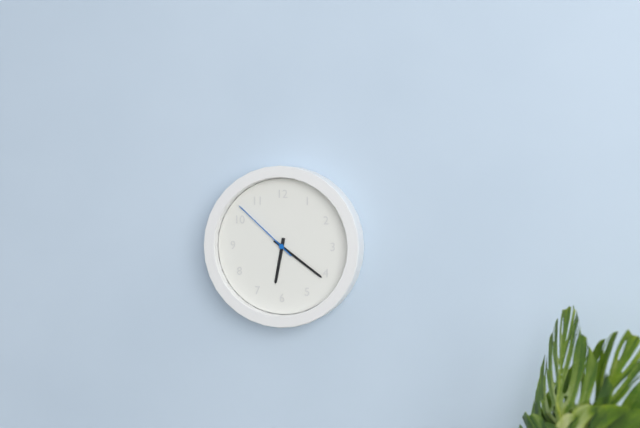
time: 6:21:52
